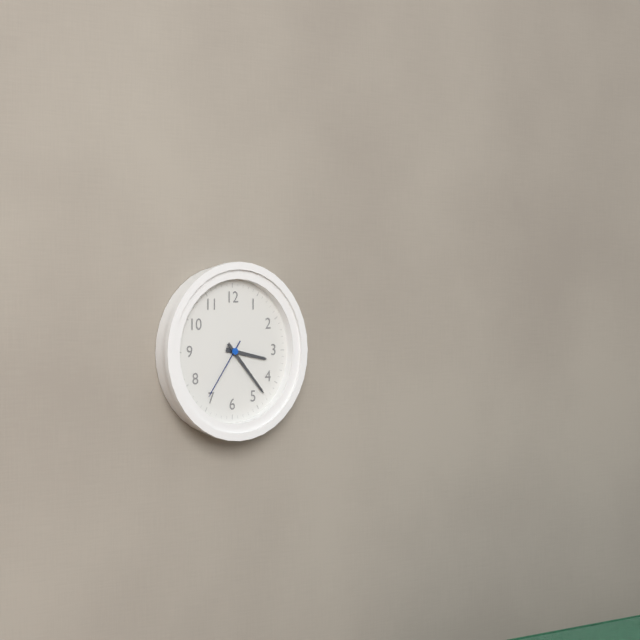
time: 3:23:36
